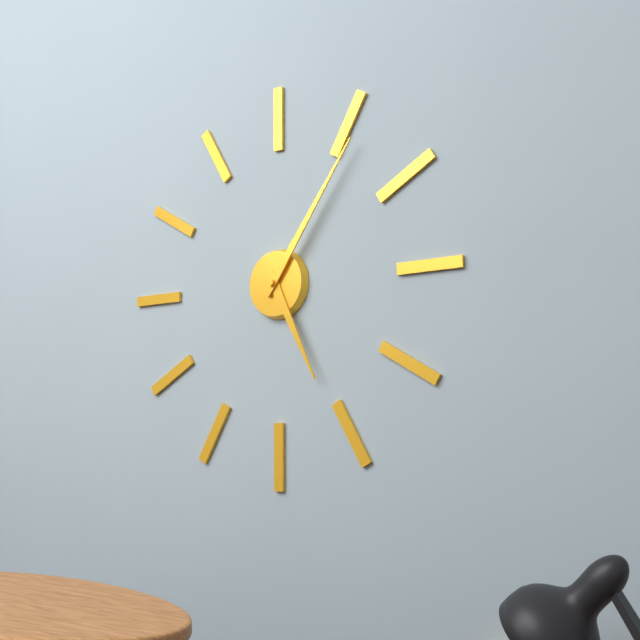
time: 5:06
